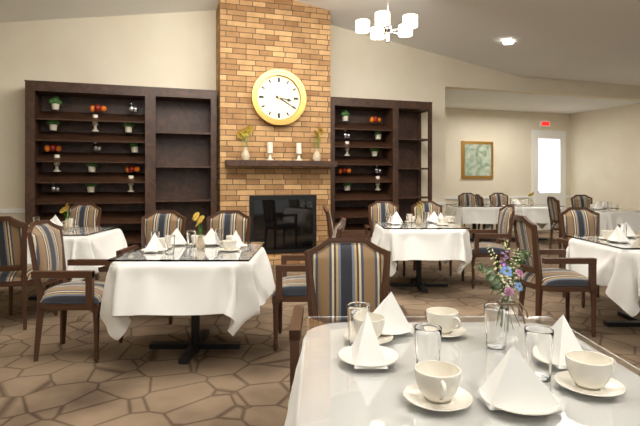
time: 3:20
